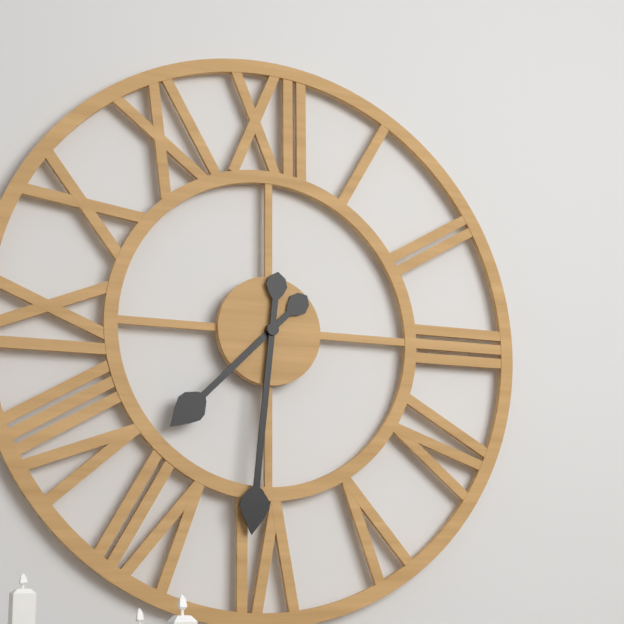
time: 7:31
